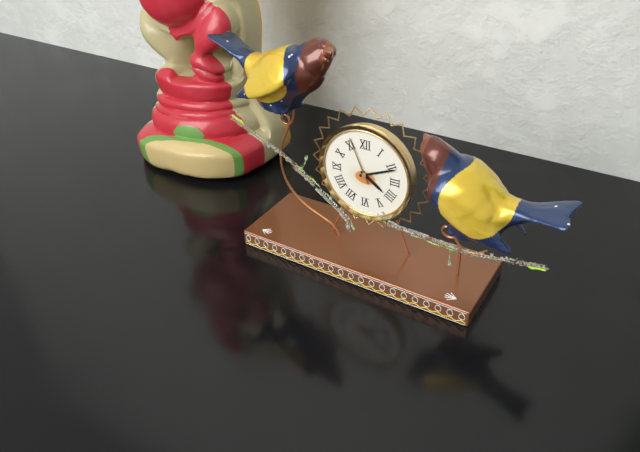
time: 4:11
